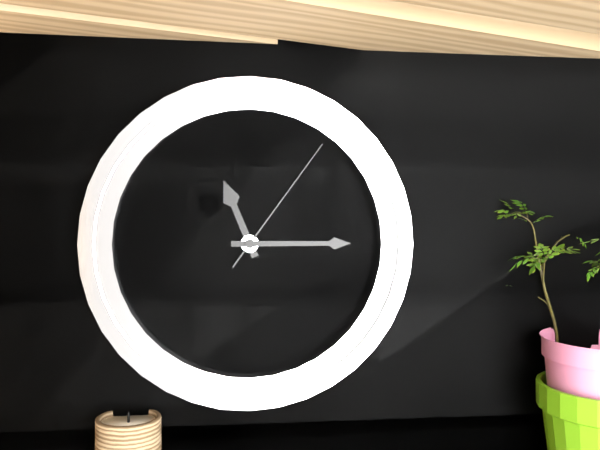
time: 11:15:06
